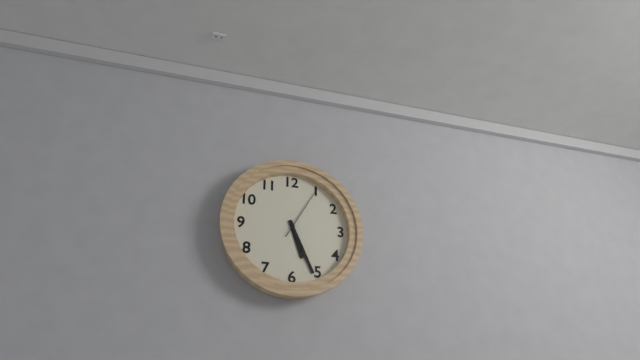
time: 5:26:05
